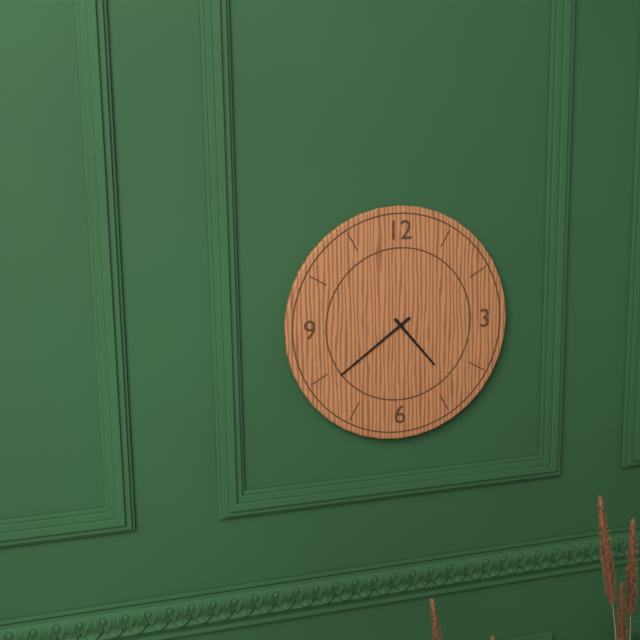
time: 4:39
